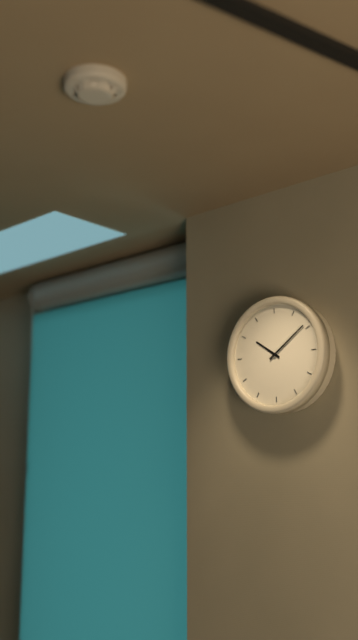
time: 10:09
